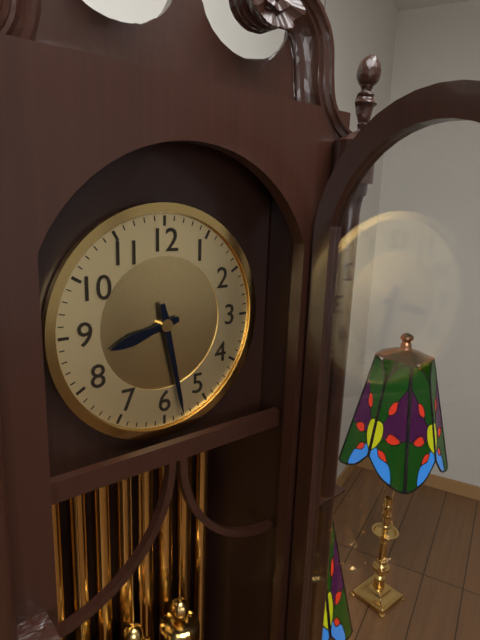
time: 8:28
